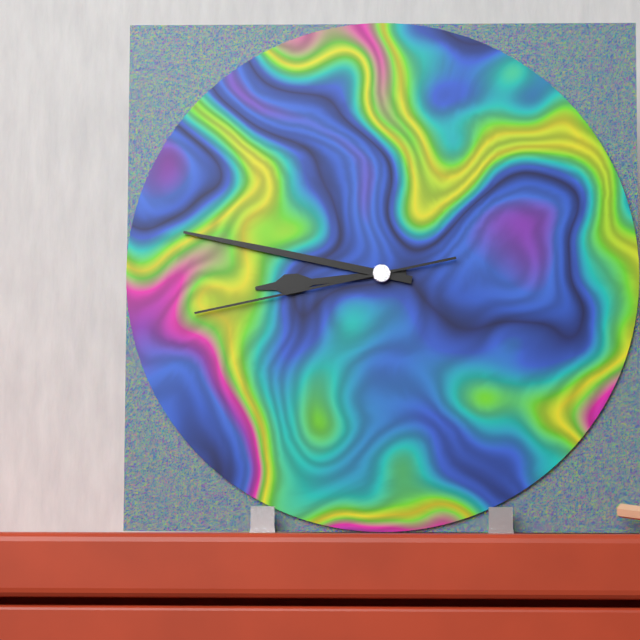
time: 8:47:43
